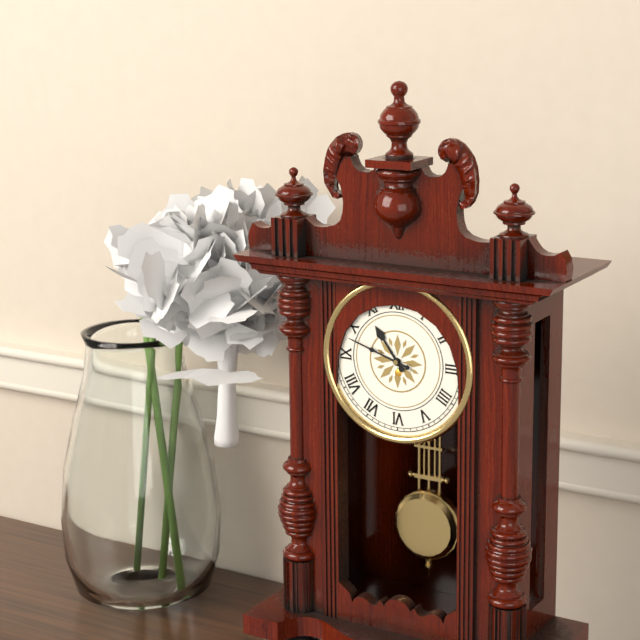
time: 10:48
